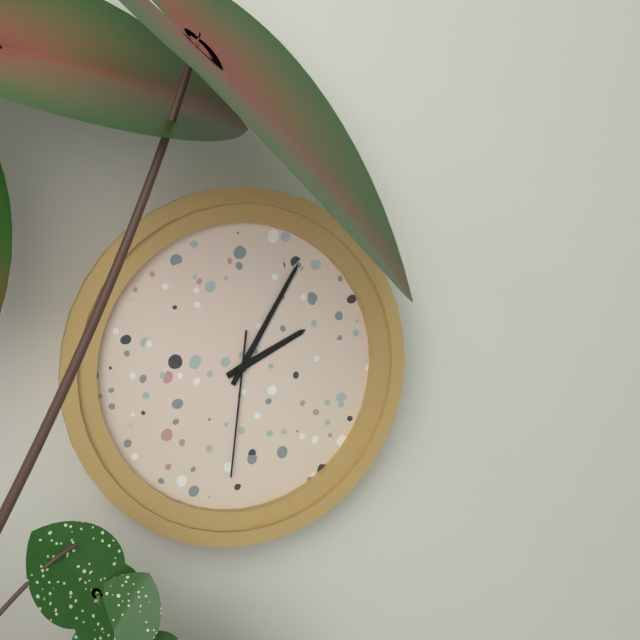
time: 2:05:31
